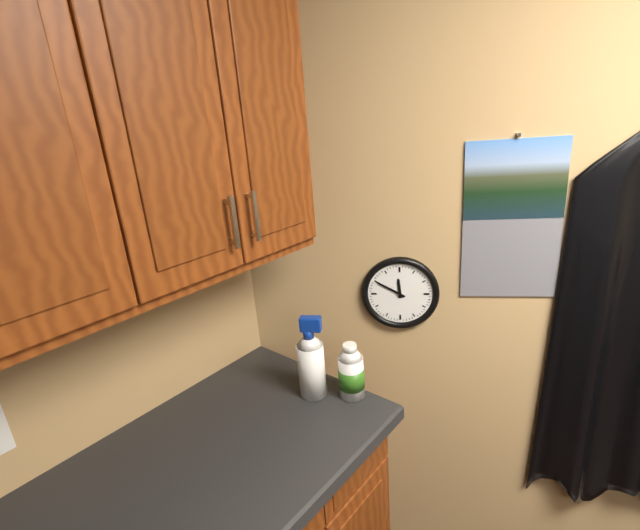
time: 11:50
